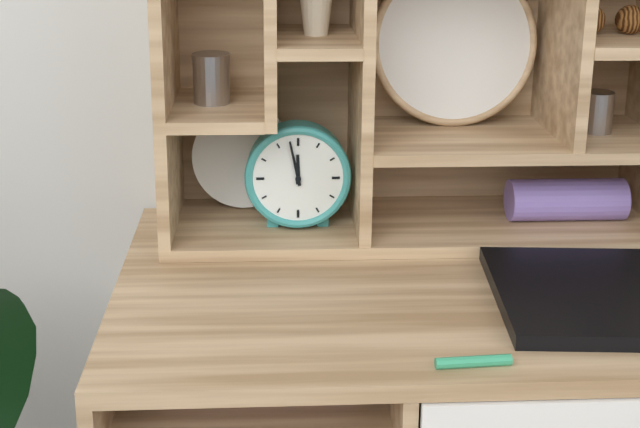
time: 11:58
